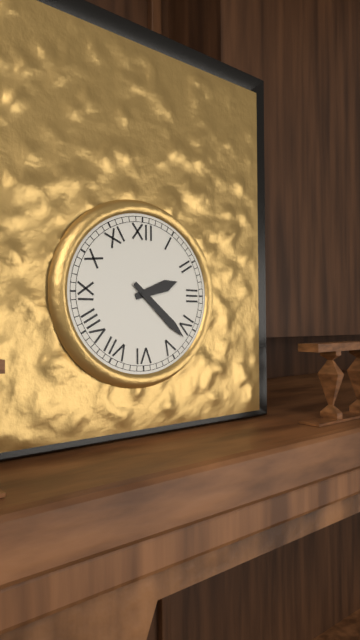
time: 2:22
